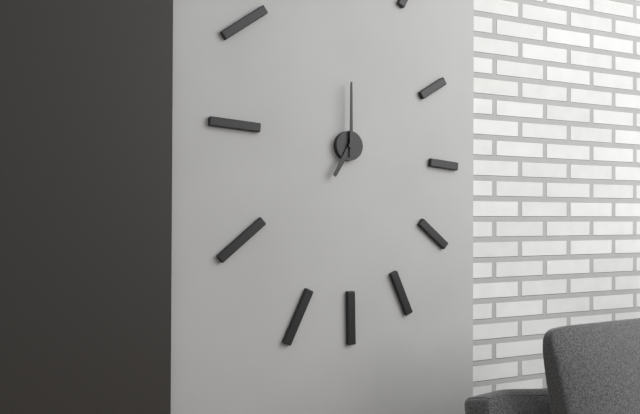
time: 7:00
